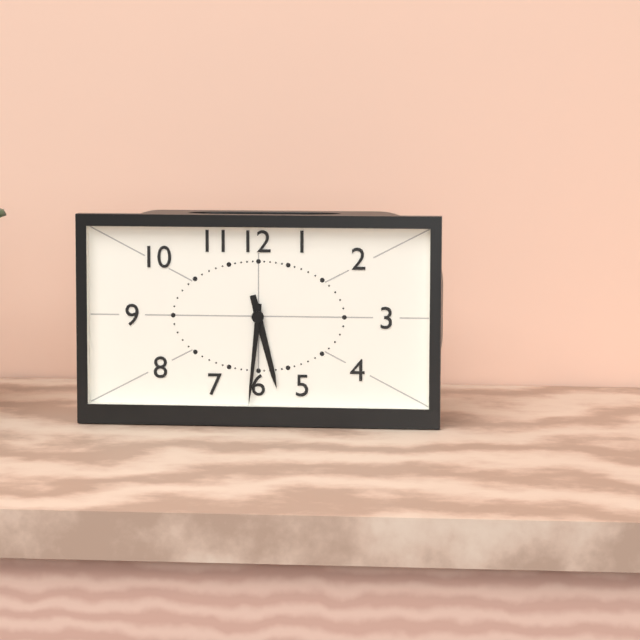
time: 5:31
